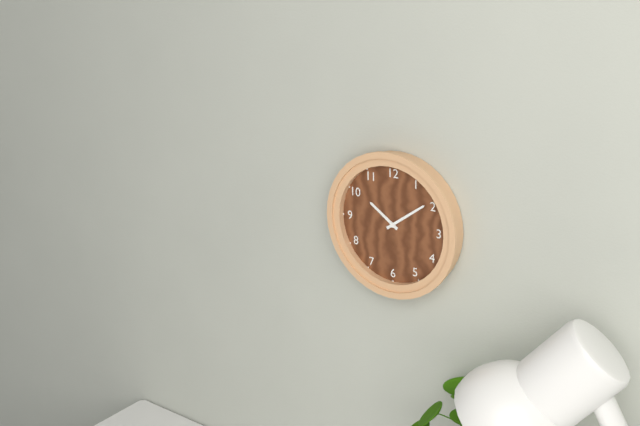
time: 10:09
